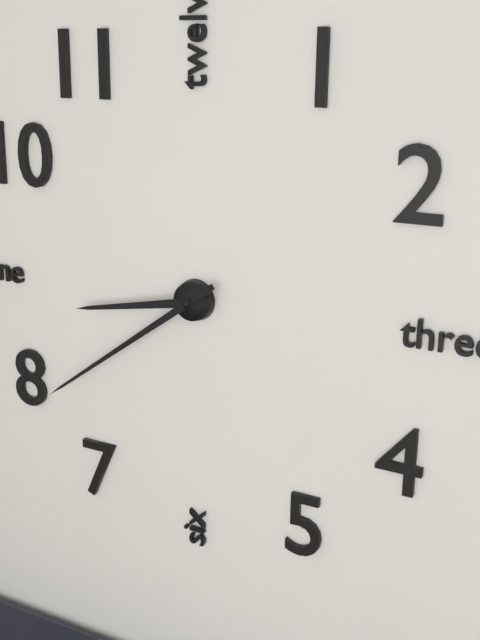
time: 8:39
